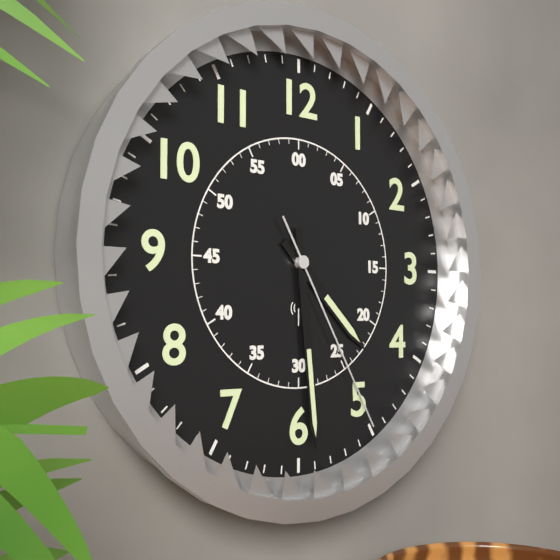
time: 4:29:25
